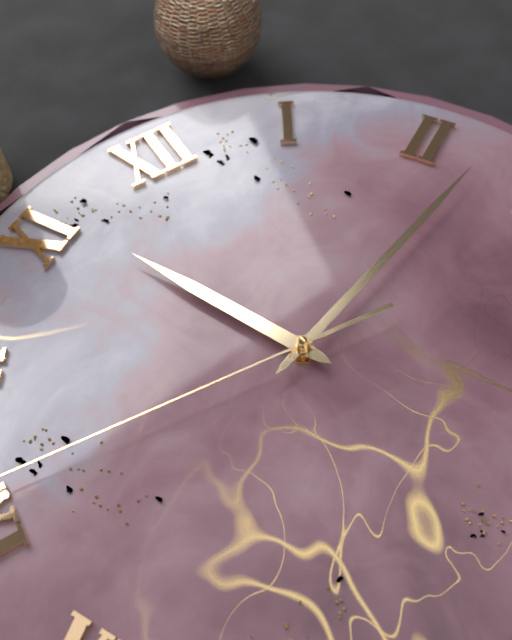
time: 11:12
